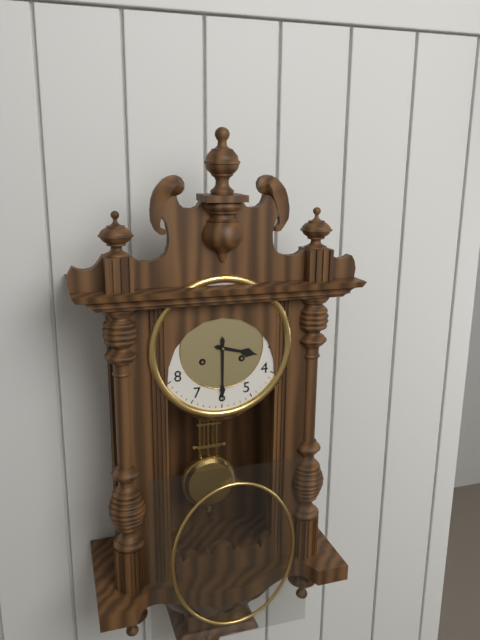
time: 3:30
